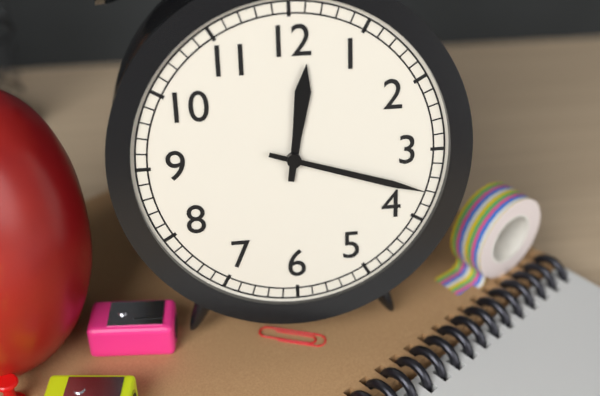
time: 12:18
